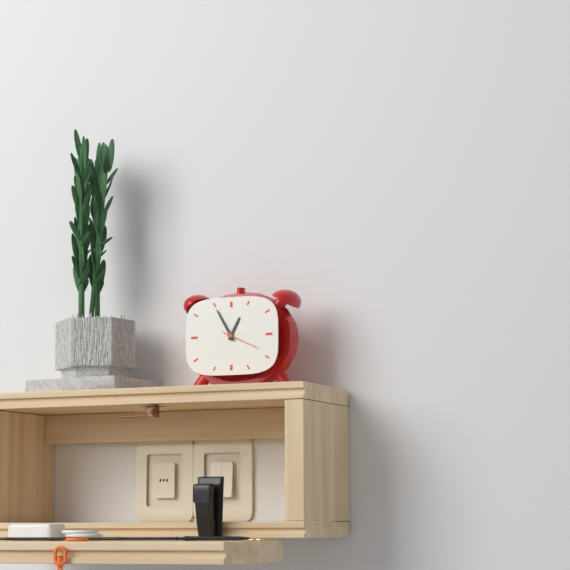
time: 12:55
